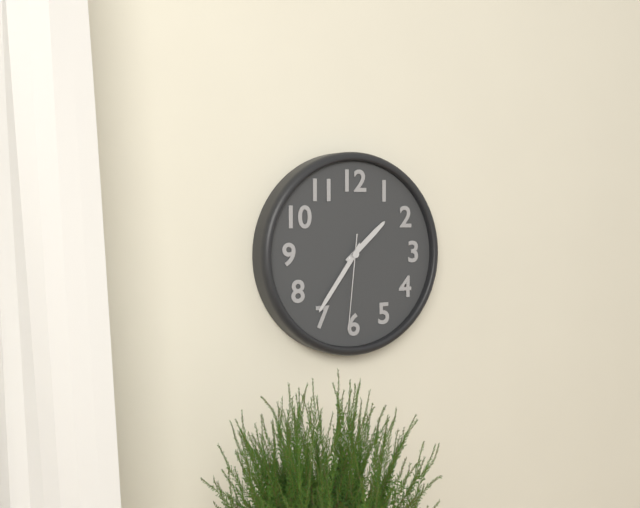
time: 1:36:31
